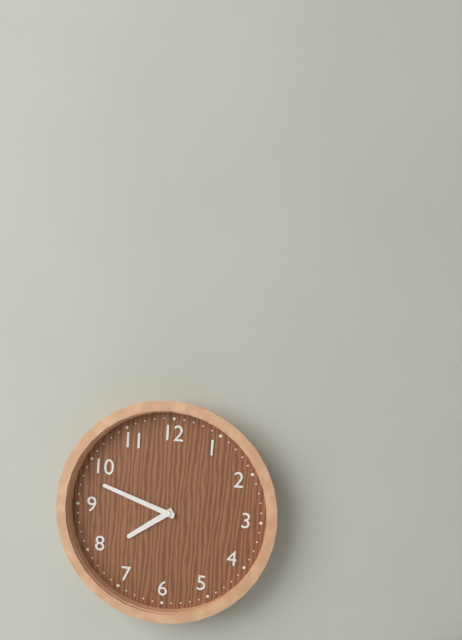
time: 7:48
